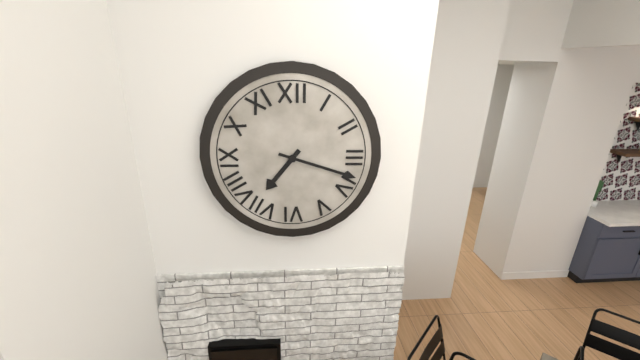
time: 7:18
